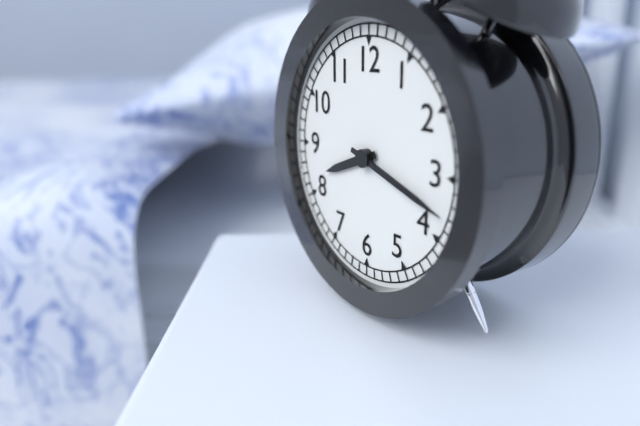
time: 8:18
